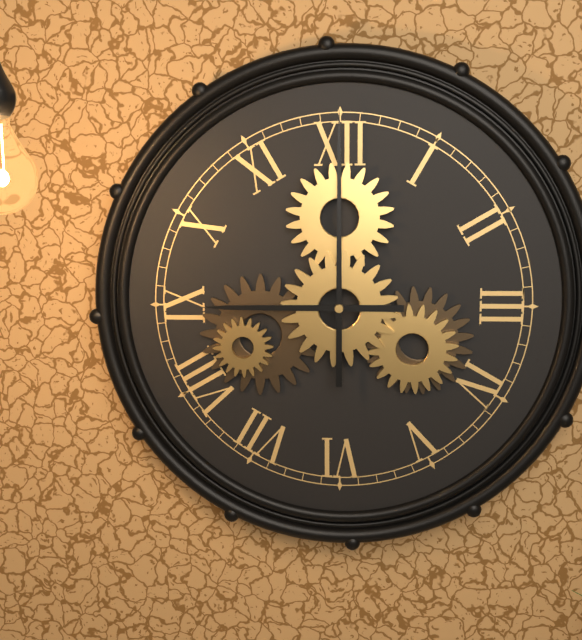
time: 9:00
